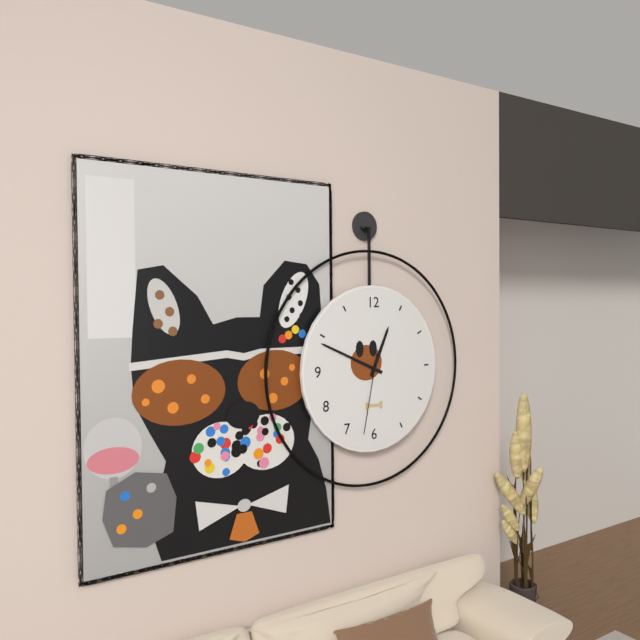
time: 12:49:32
